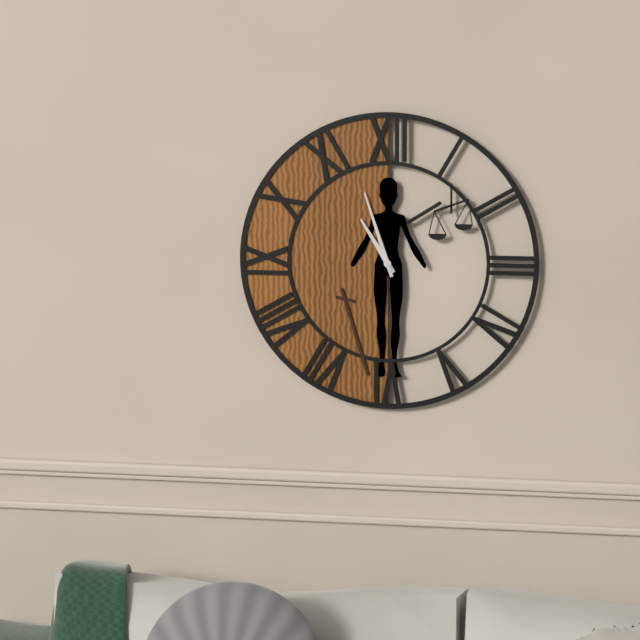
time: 10:57
